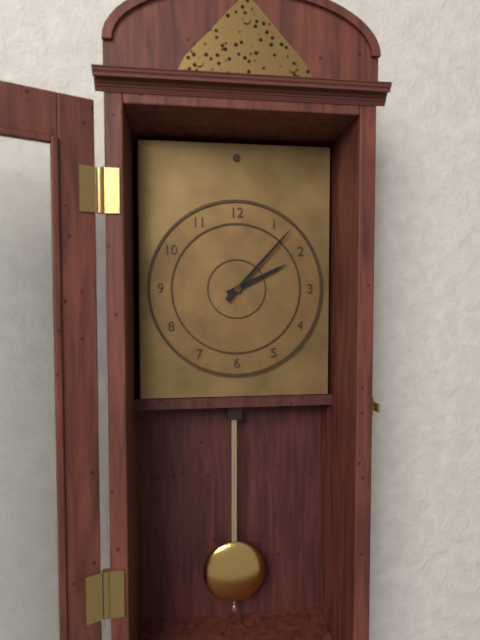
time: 2:07
